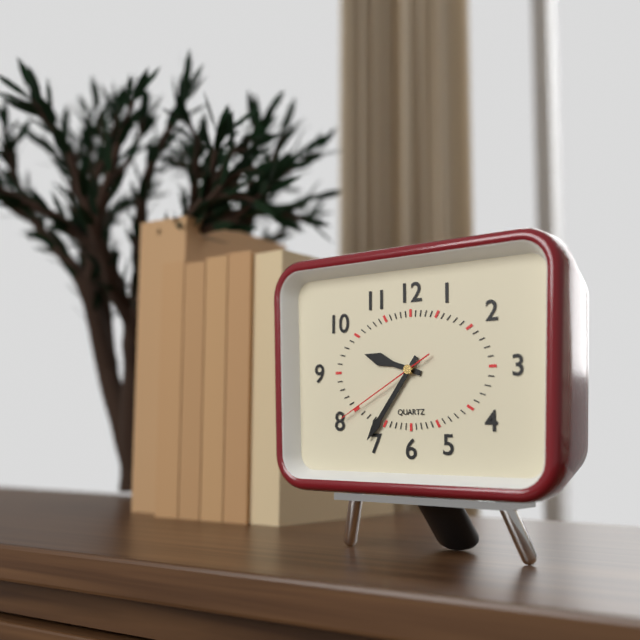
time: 9:36:40
